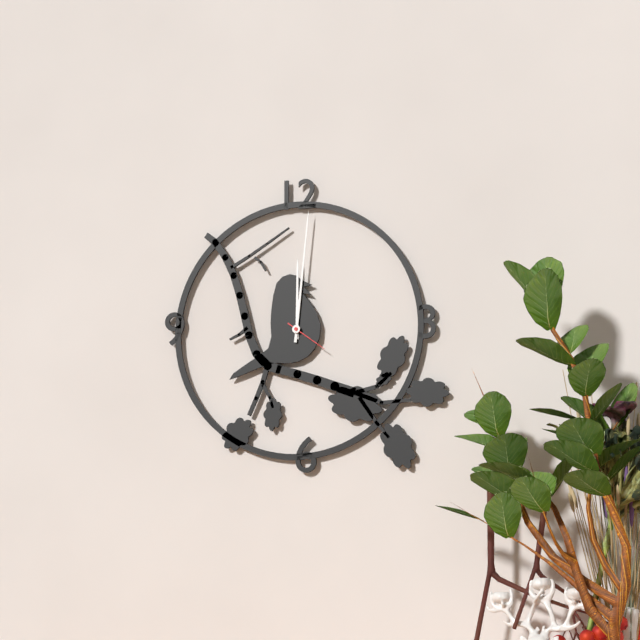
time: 12:01
